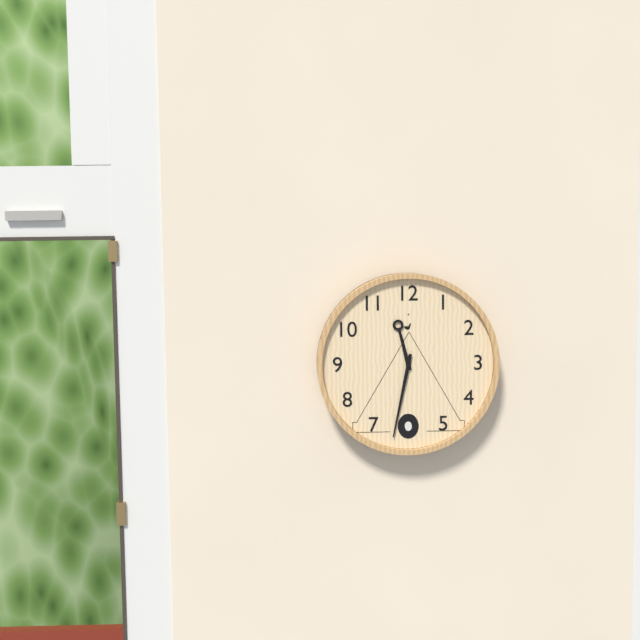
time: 11:32
